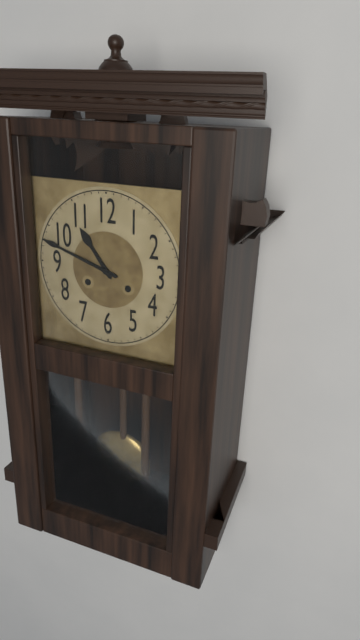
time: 10:48
